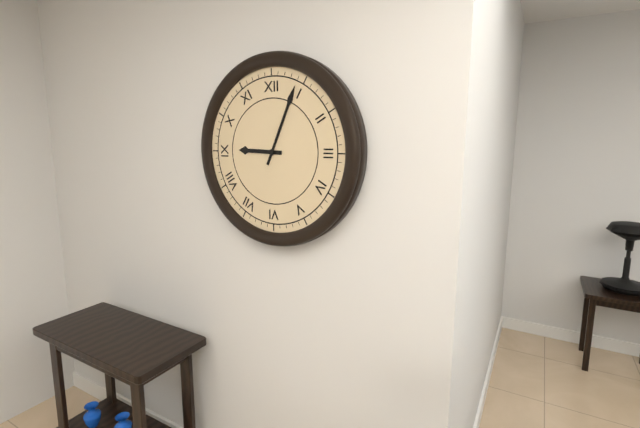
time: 9:04
